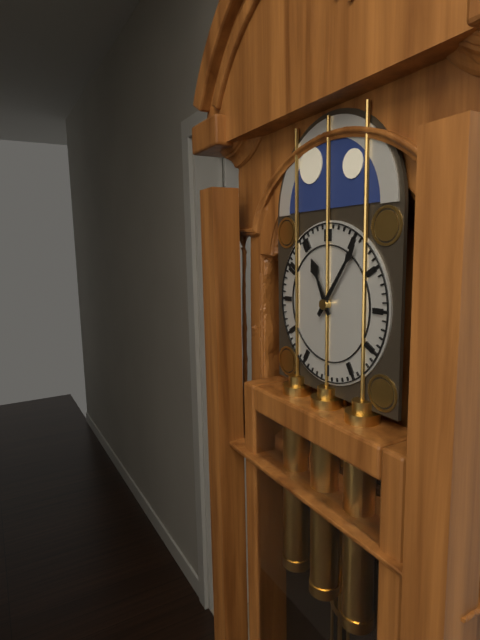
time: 11:06
